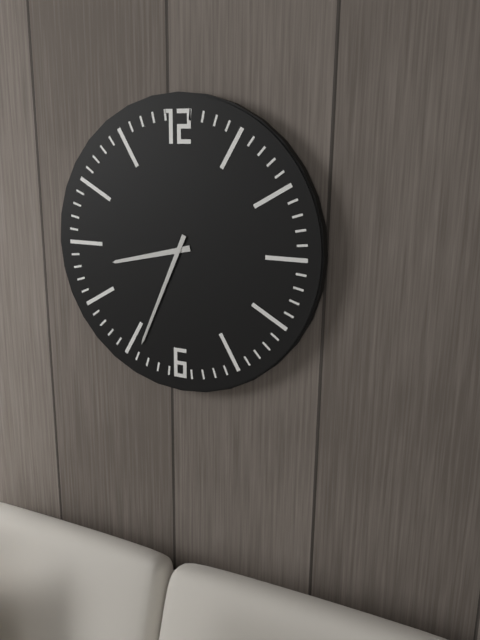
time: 8:34
